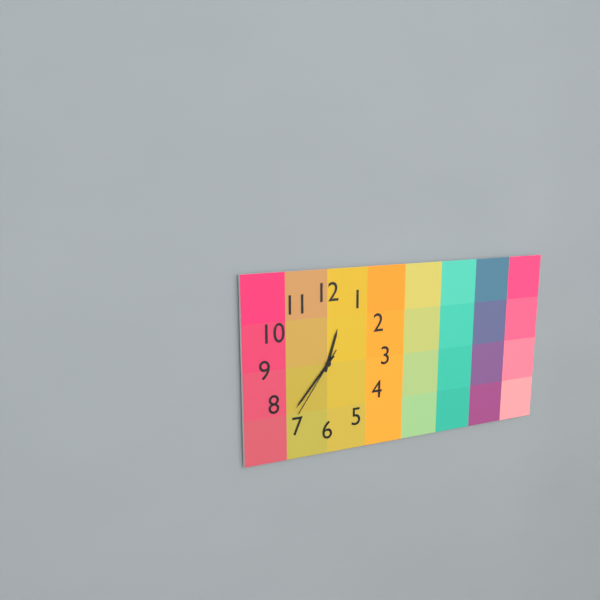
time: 12:37:36
